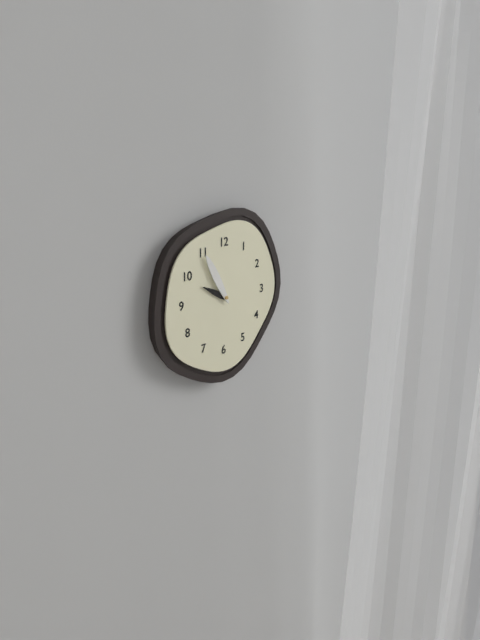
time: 9:55
